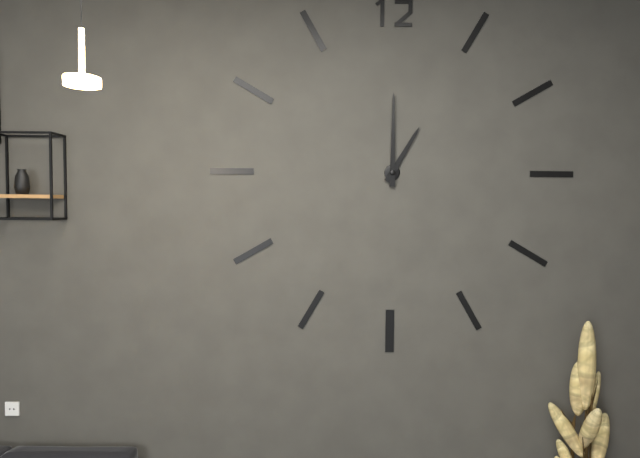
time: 1:00
